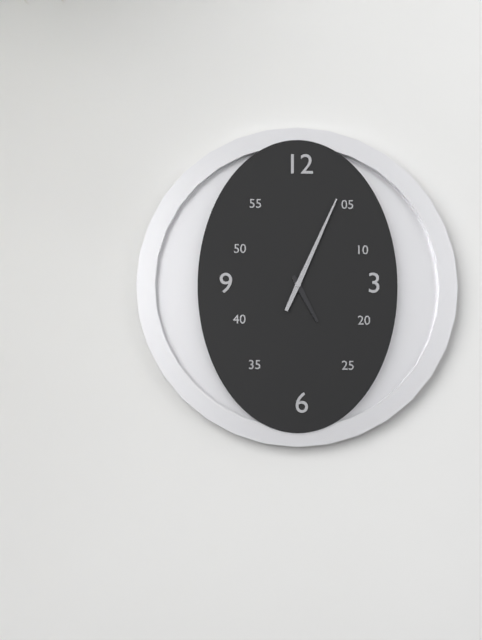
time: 5:04
